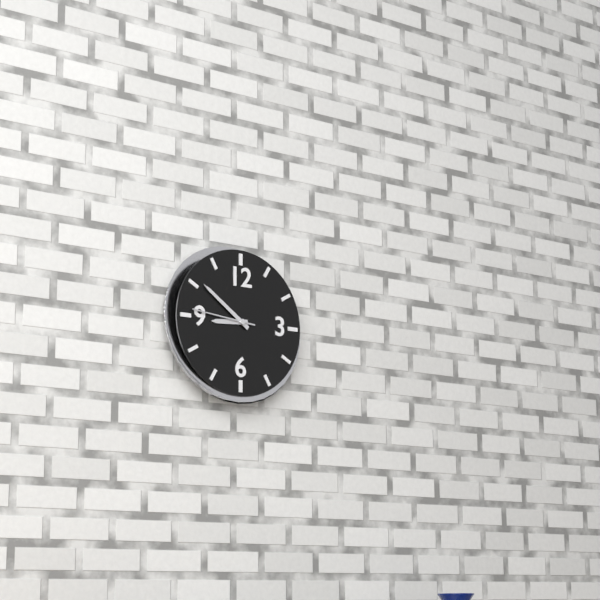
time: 8:51:46
